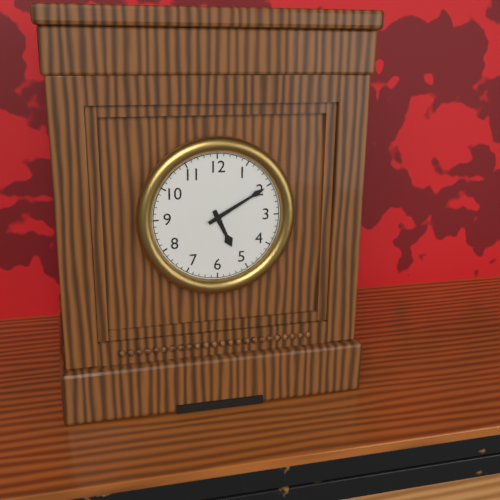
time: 5:10
